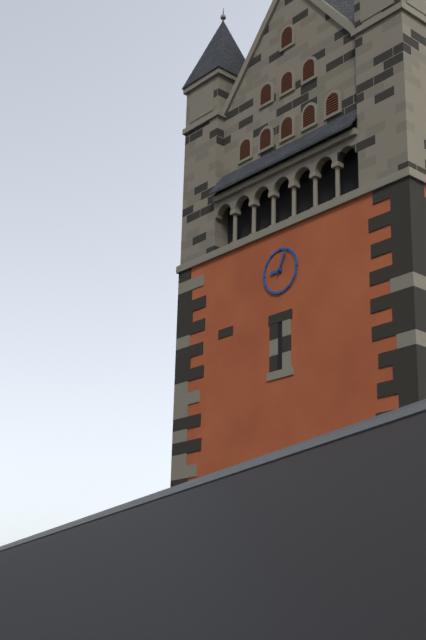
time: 9:04
